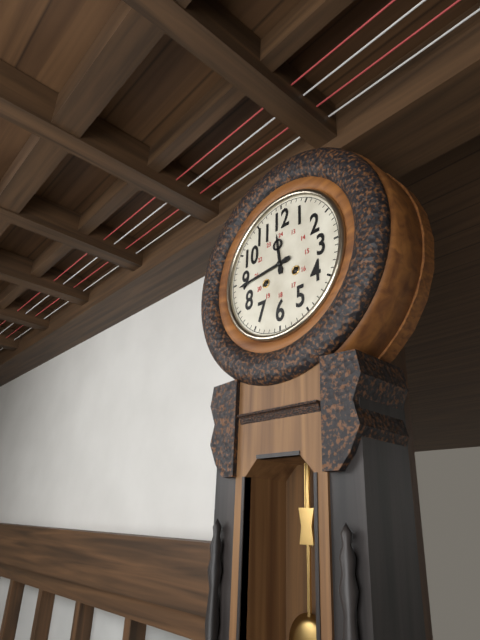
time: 11:44
